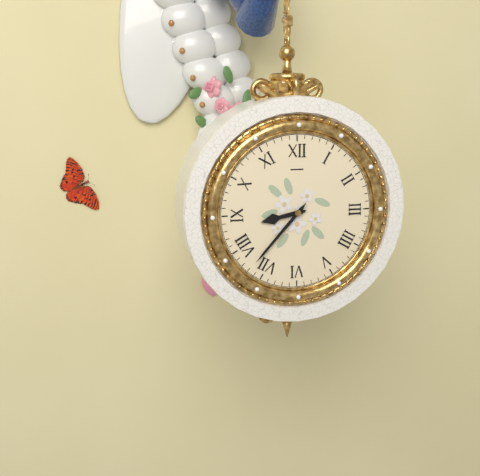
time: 8:37
